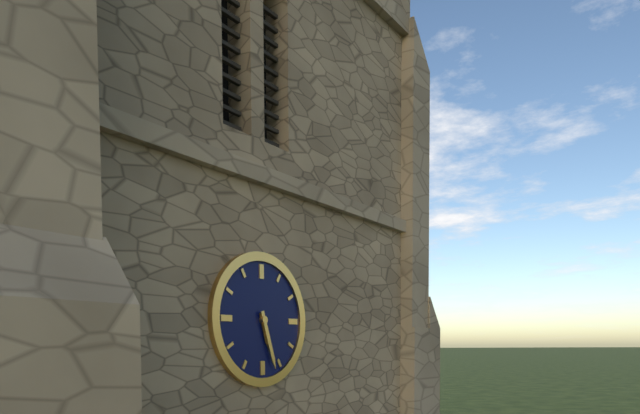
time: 5:27
